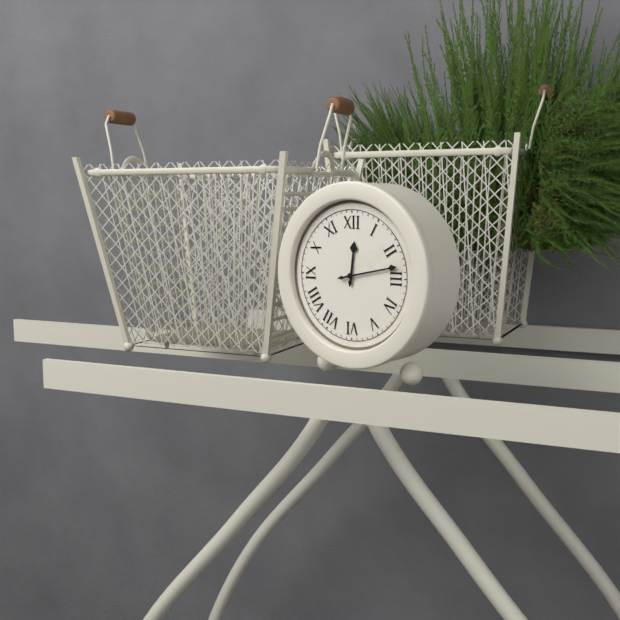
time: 12:13
